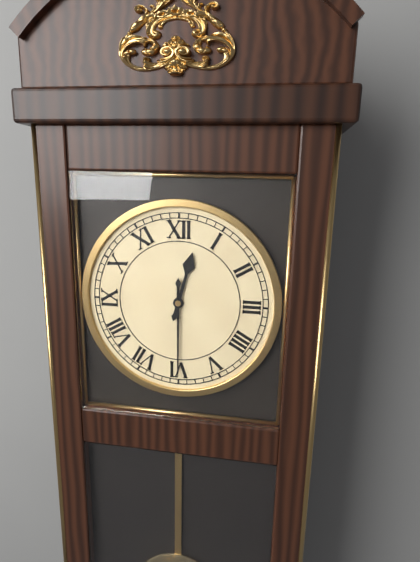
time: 12:30
